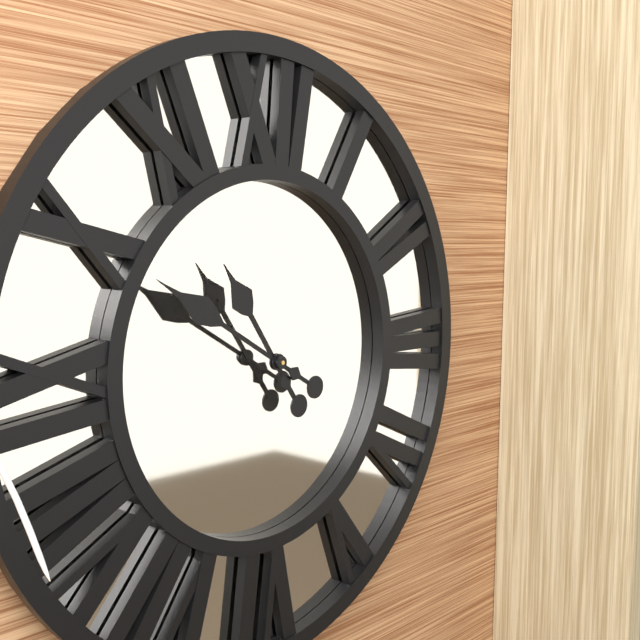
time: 10:50
